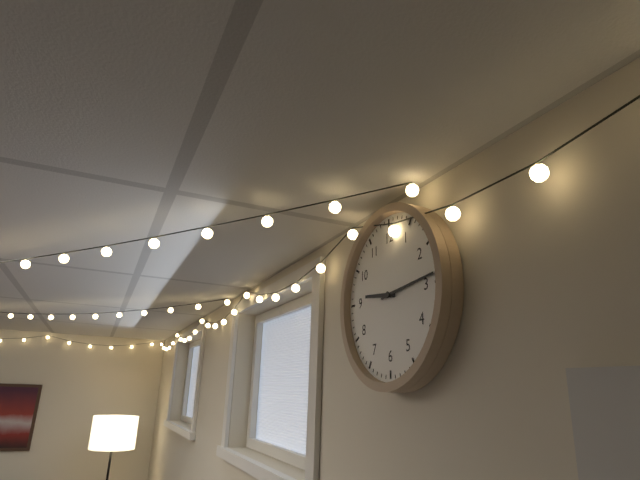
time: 9:14
